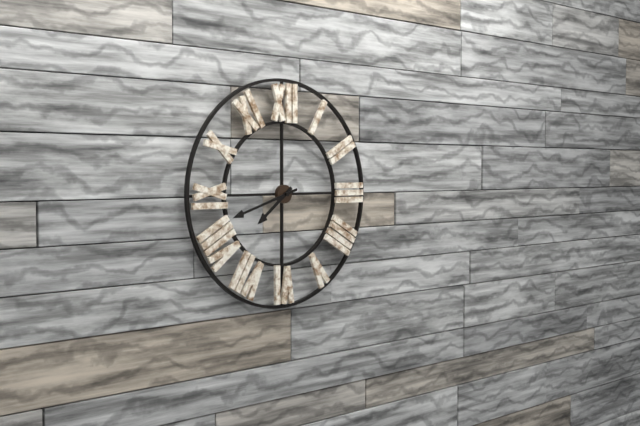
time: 7:42
